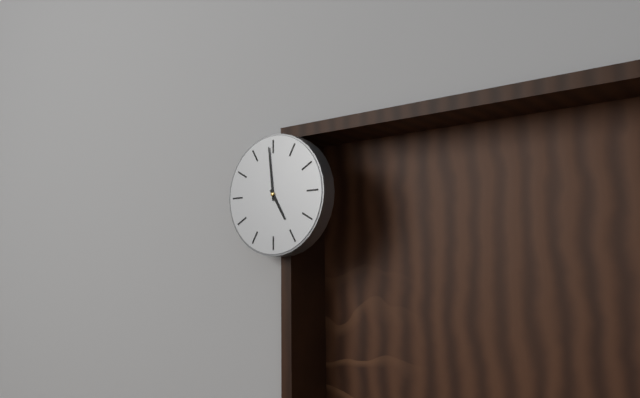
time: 4:59
